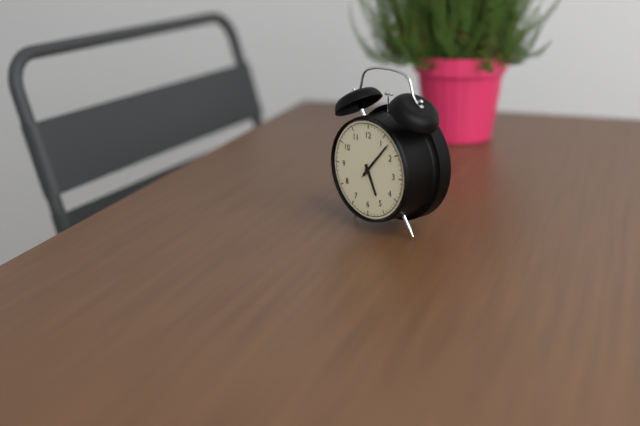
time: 5:07
